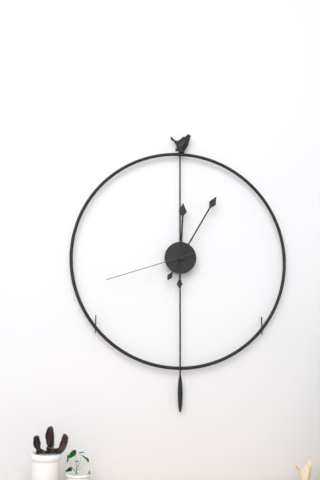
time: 12:05:42
